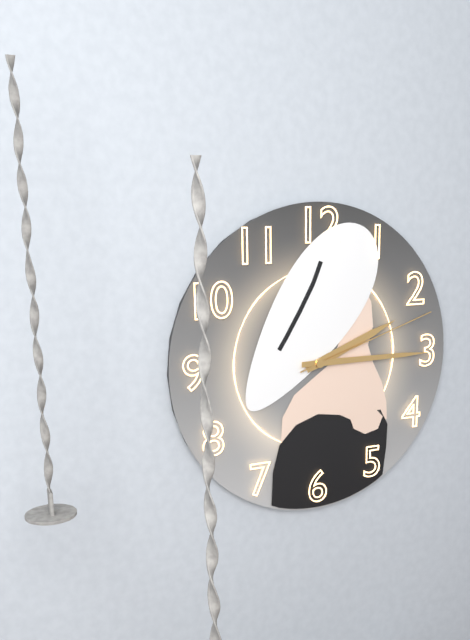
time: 2:15:12
